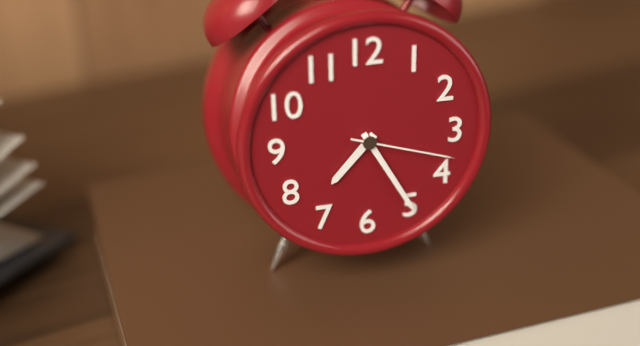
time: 7:25:18
